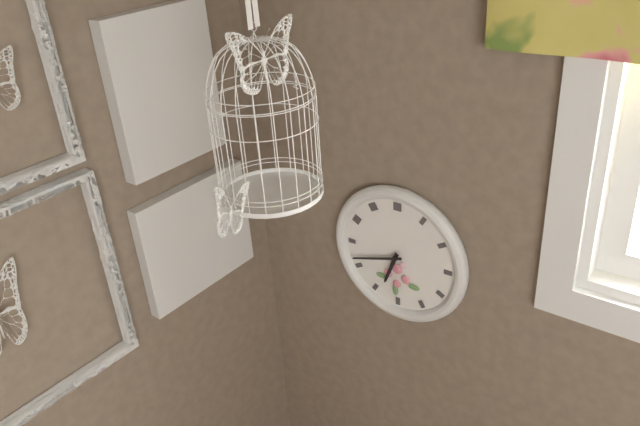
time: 6:42
